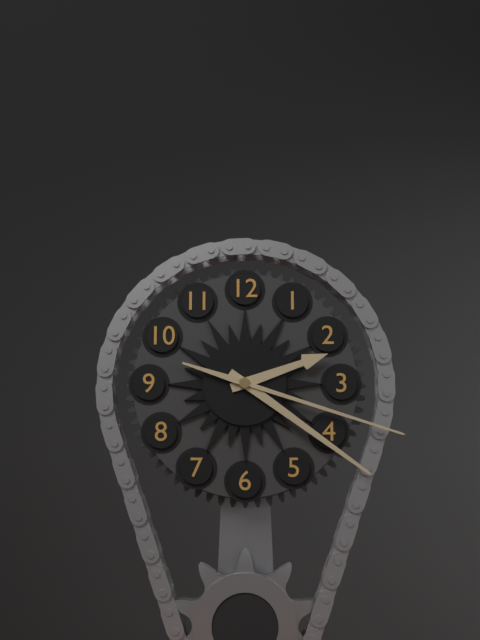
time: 2:21:18
